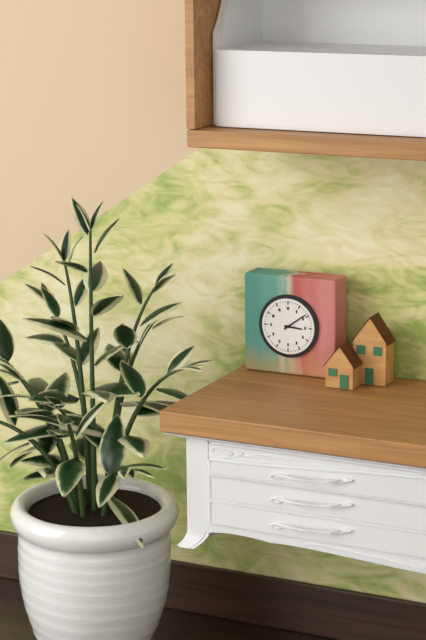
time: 3:09
